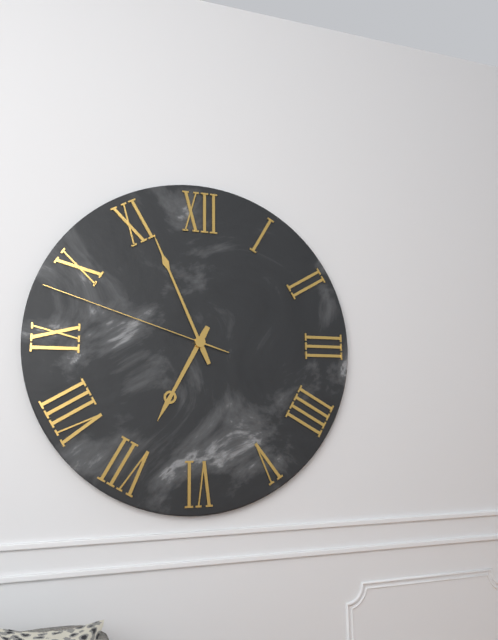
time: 6:56:48
